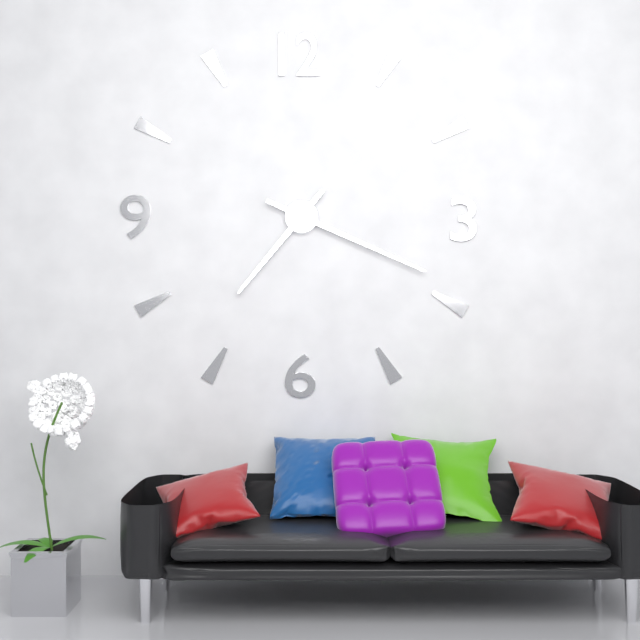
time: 7:19
